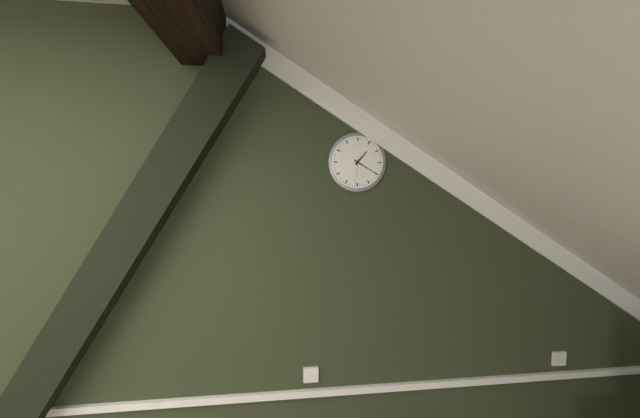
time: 1:20
